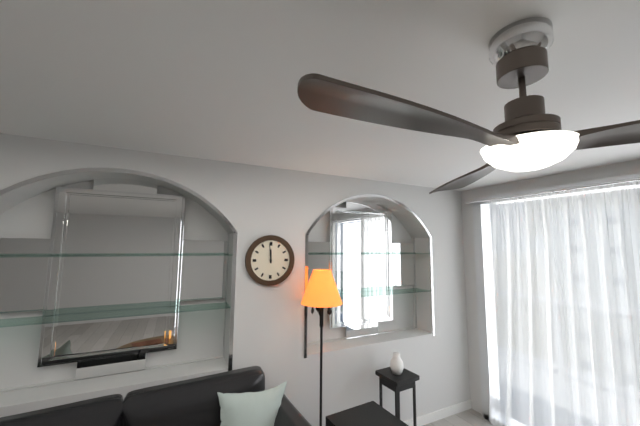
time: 11:59
